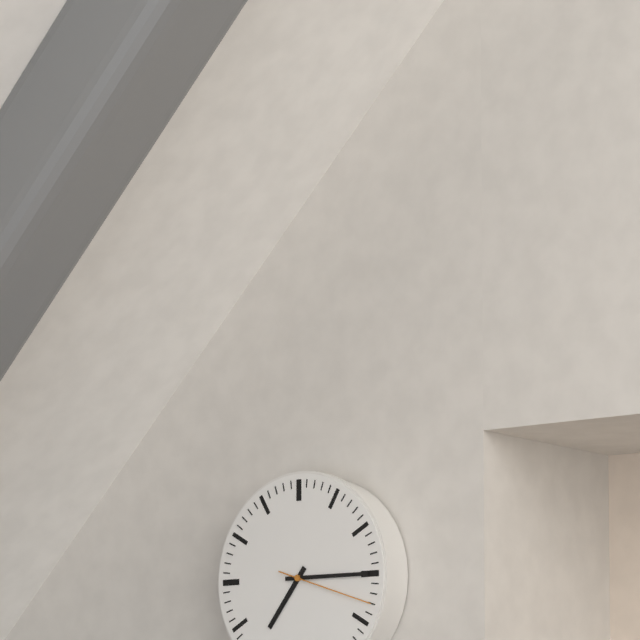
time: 7:15:18
